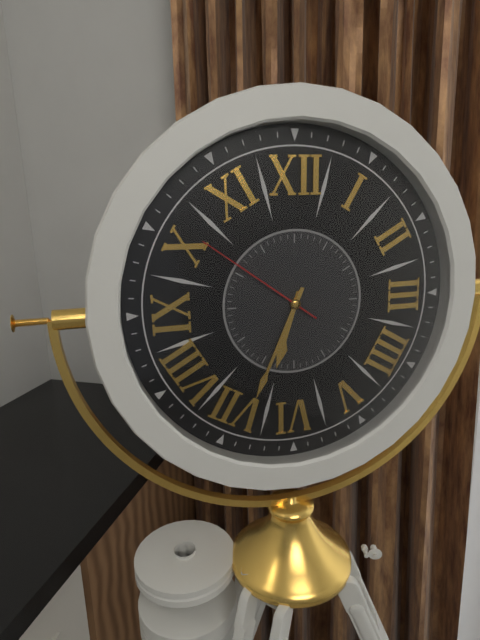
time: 6:34:51
